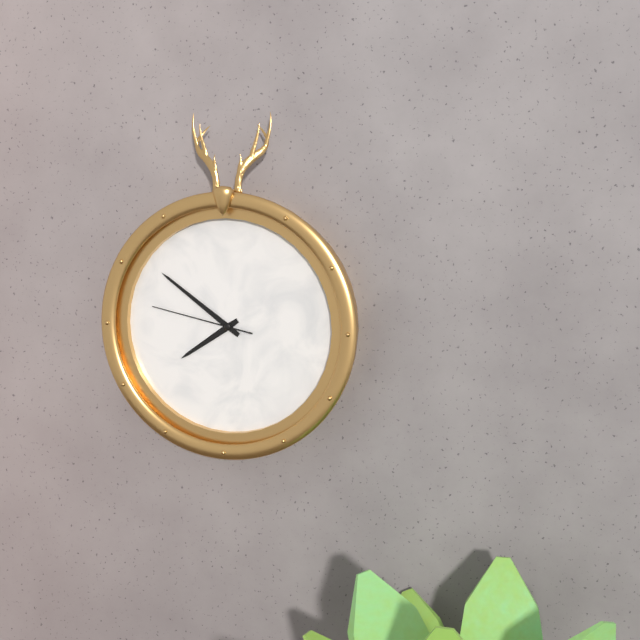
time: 7:51:47
